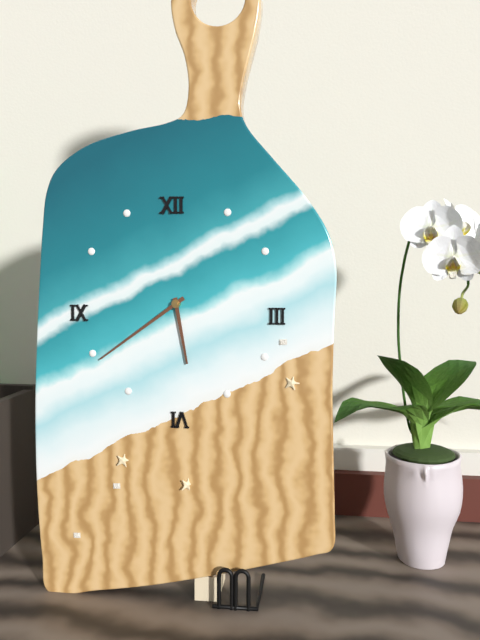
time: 5:39
